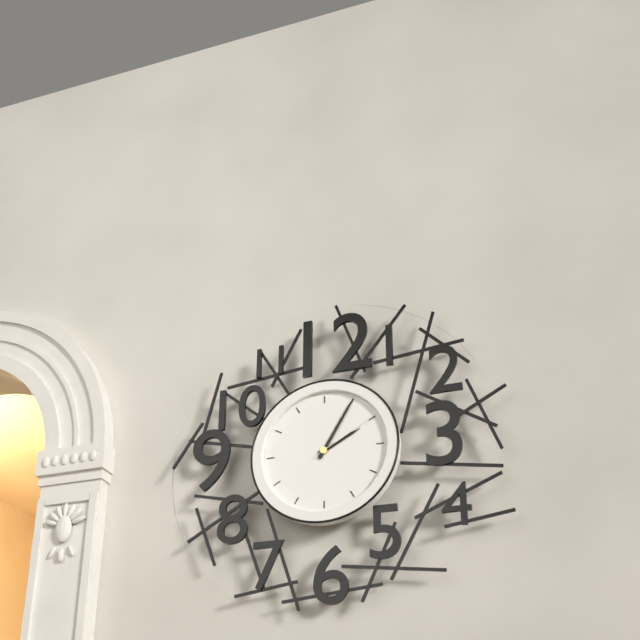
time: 2:05:10
